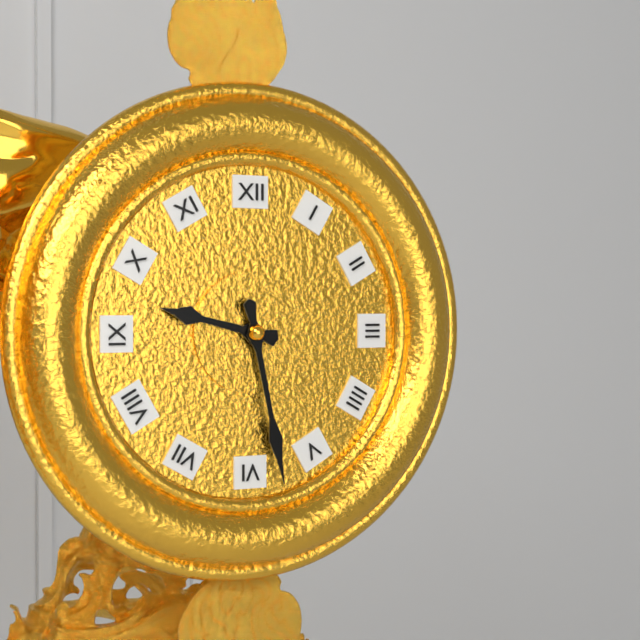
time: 9:28
